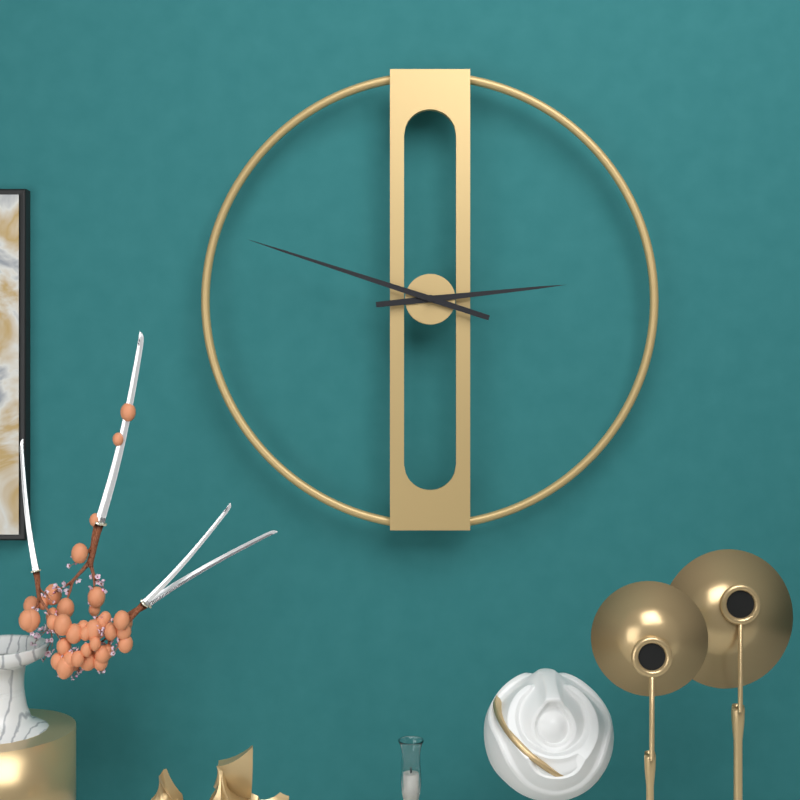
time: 2:48
